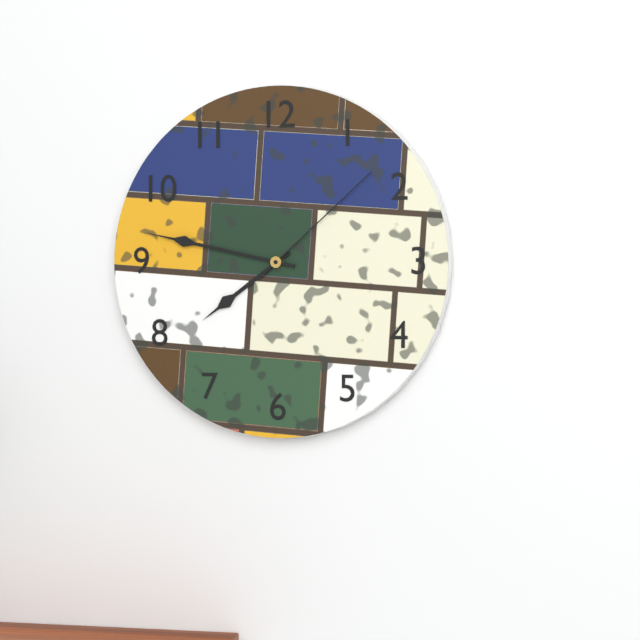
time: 7:47:08
